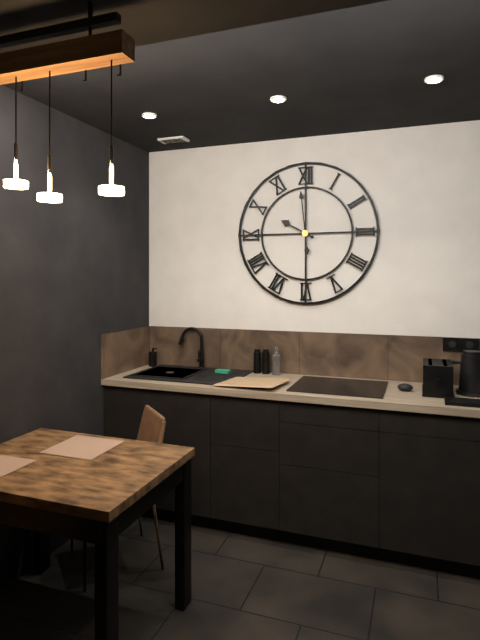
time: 9:59
